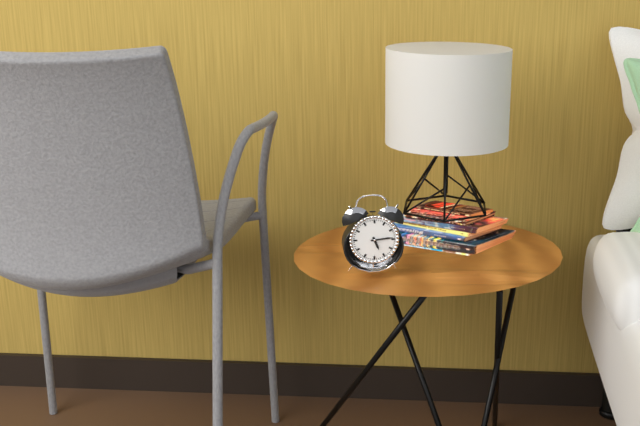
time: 5:14
